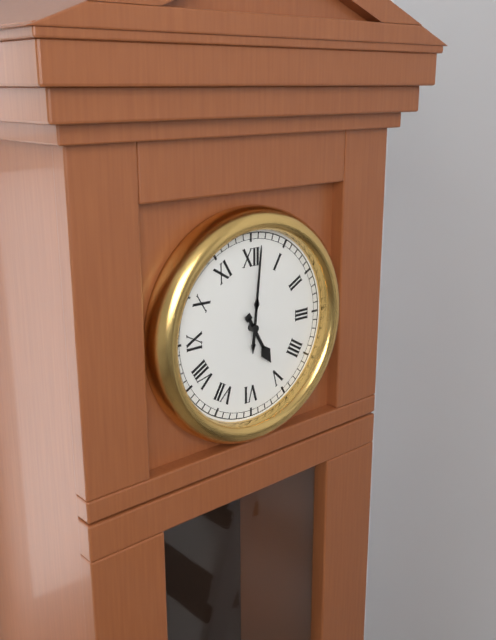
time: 5:01
